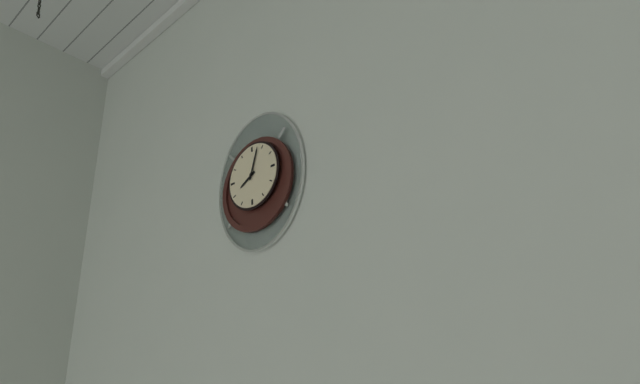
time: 8:03
